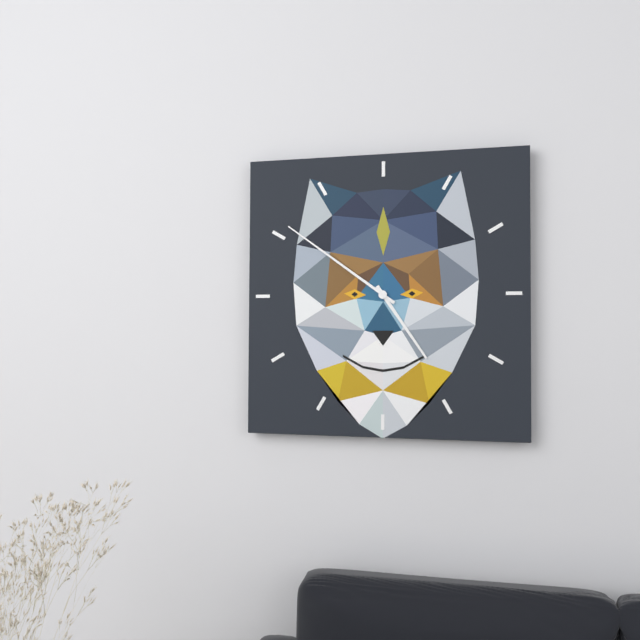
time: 4:51
